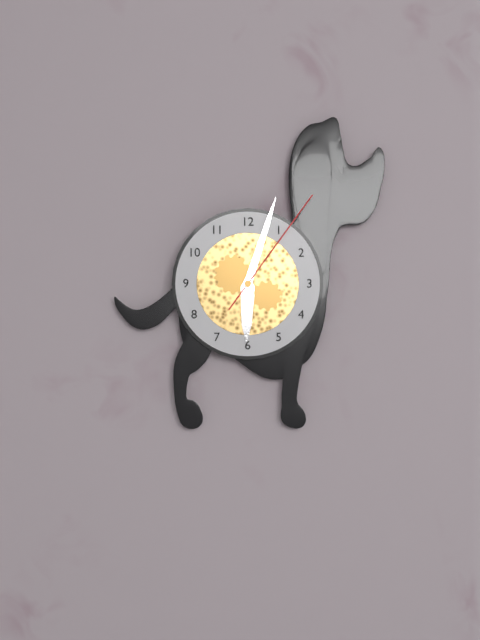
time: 6:03:06
